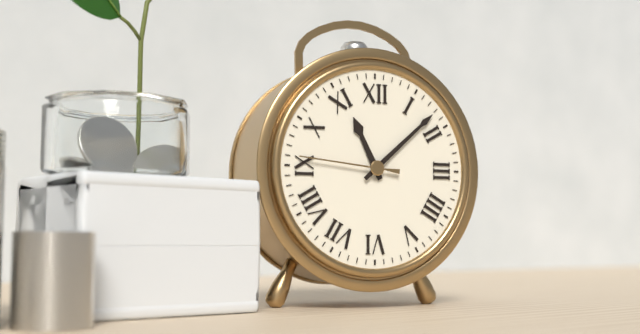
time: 11:08:46
